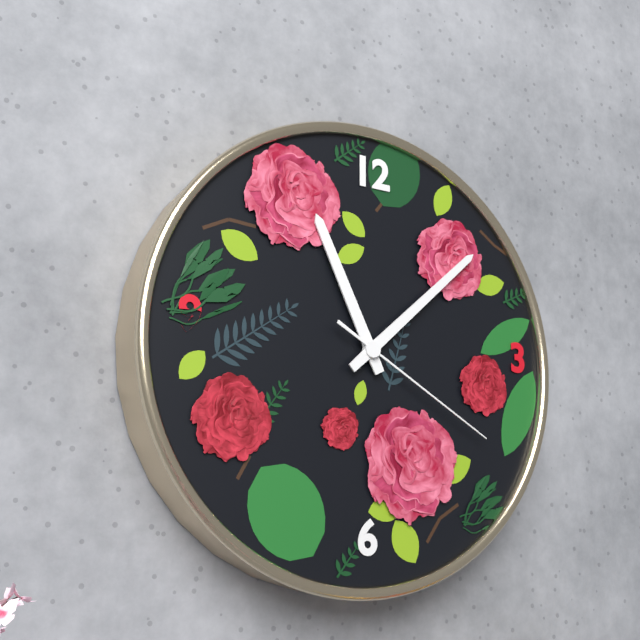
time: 11:08:20
